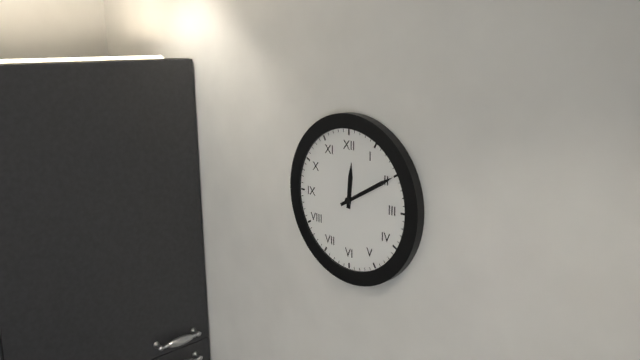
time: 12:10
